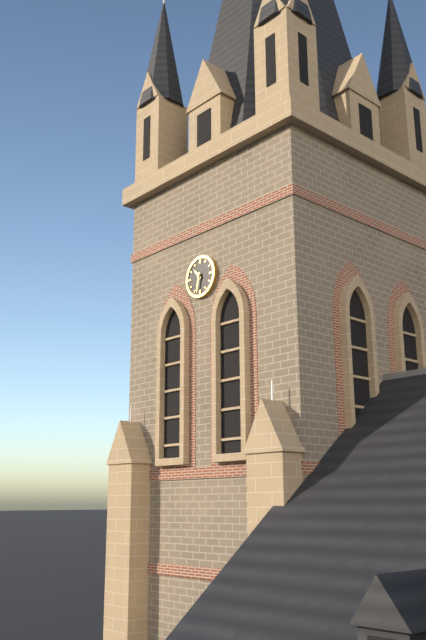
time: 10:32
